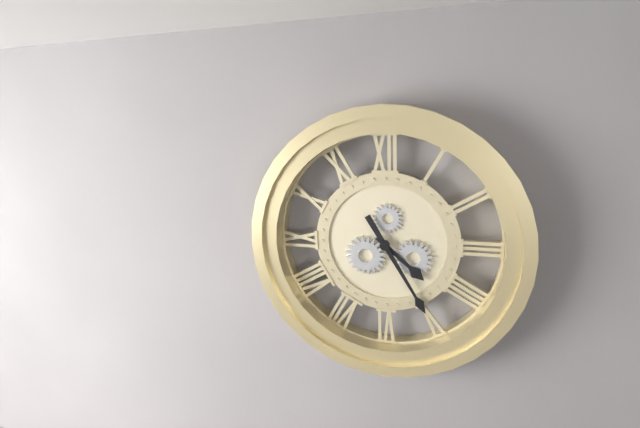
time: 4:25
